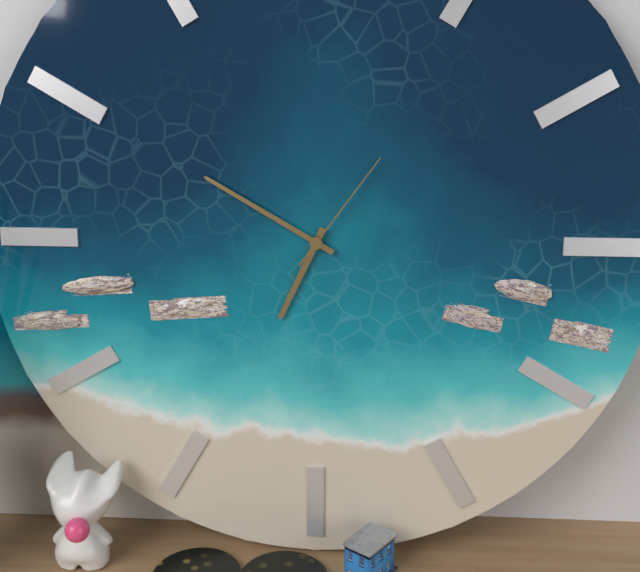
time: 6:50:06
